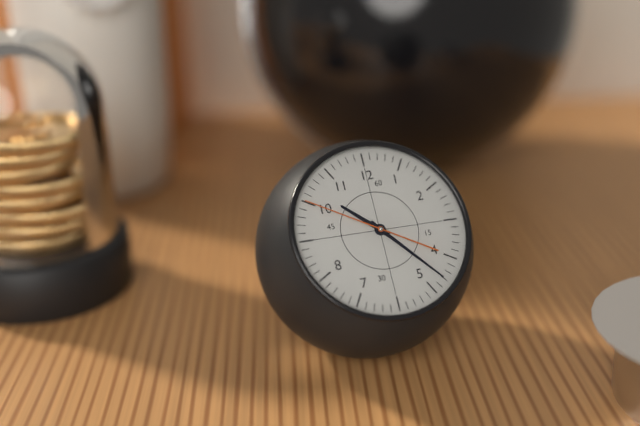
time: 10:23:50
